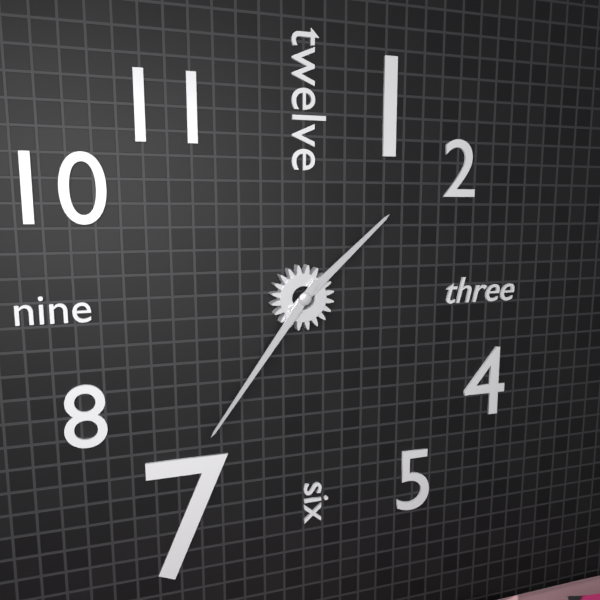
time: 1:36
